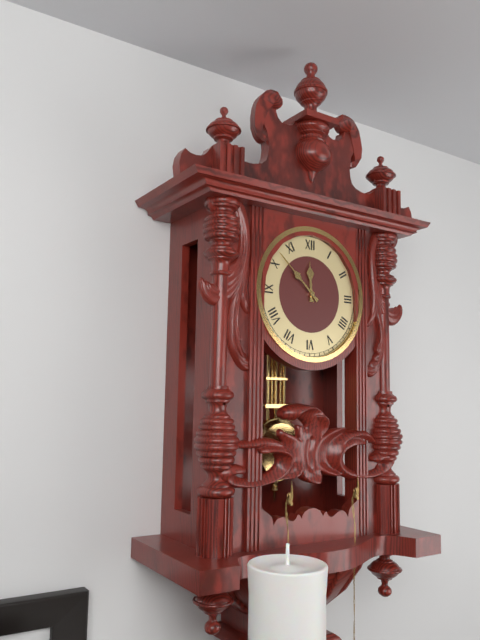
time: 11:52
